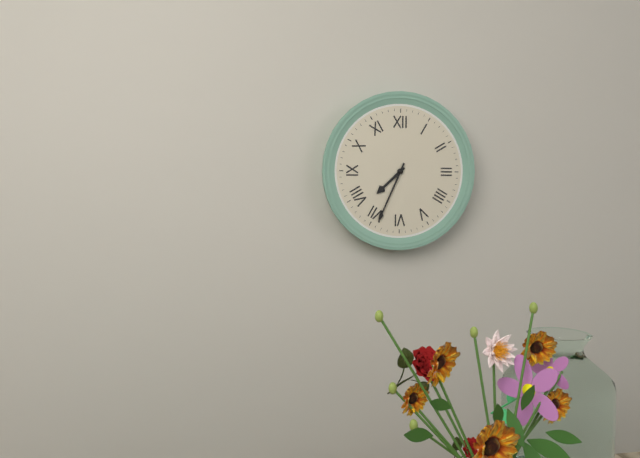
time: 7:34
